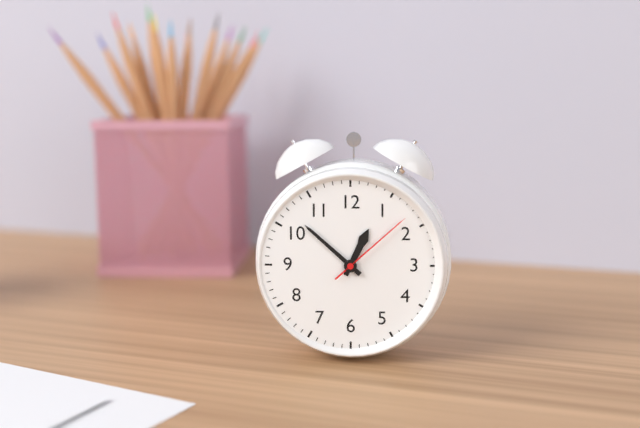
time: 12:52:08
